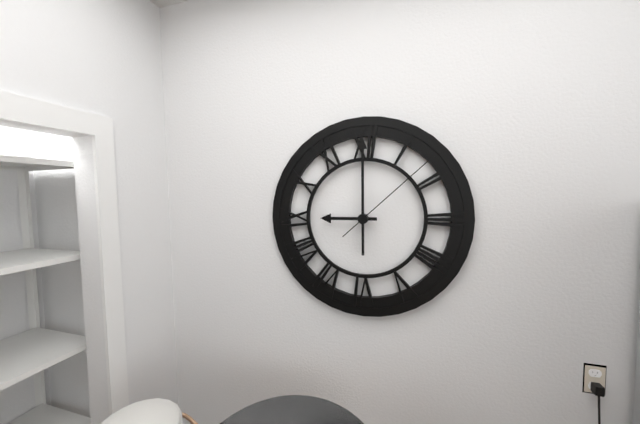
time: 9:00:08
